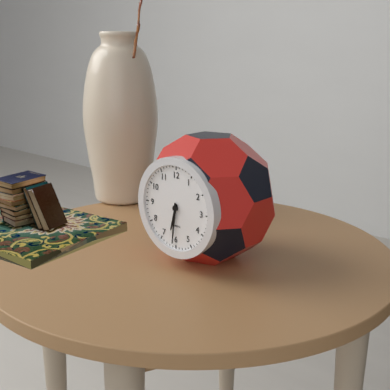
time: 6:31
